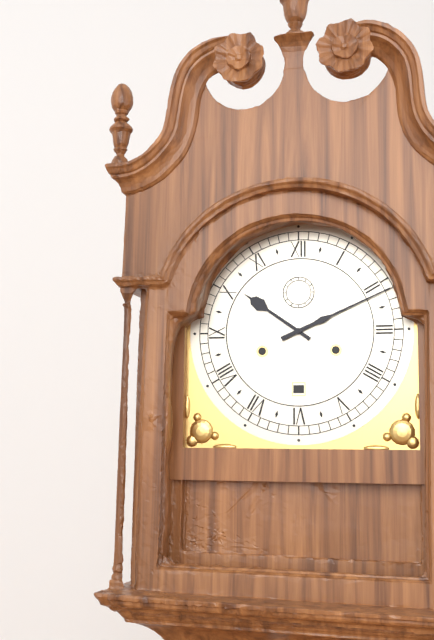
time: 10:11
